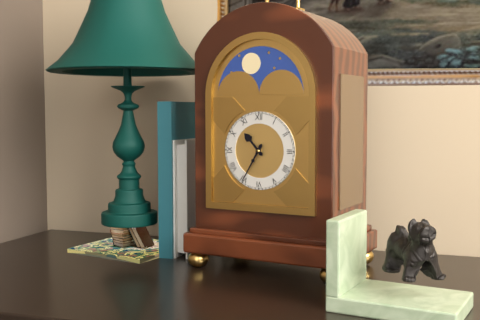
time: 10:35
